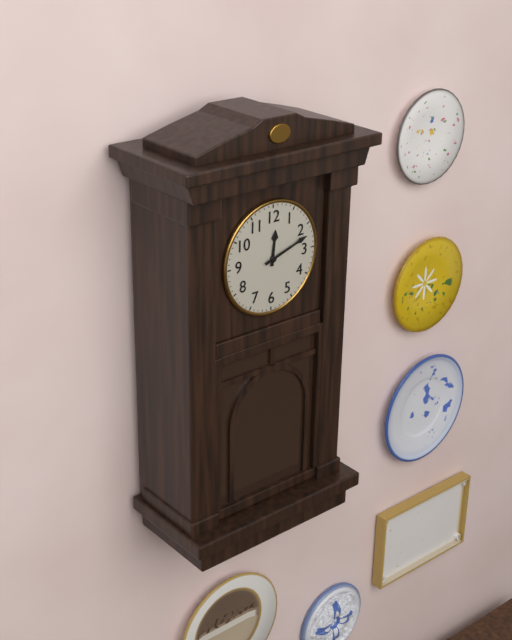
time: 12:12
